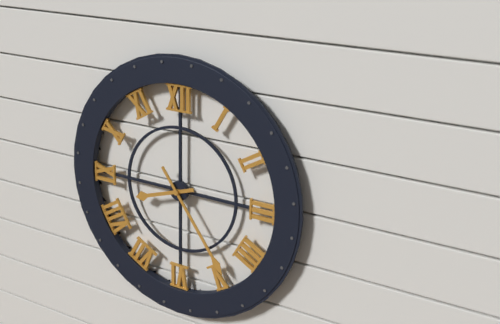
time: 8:24
